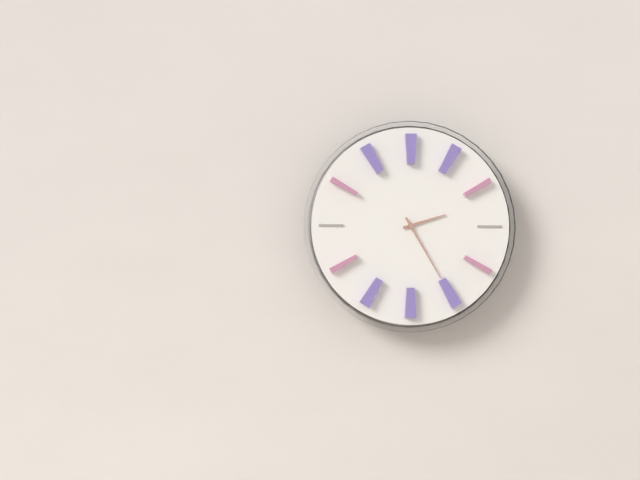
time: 2:25
